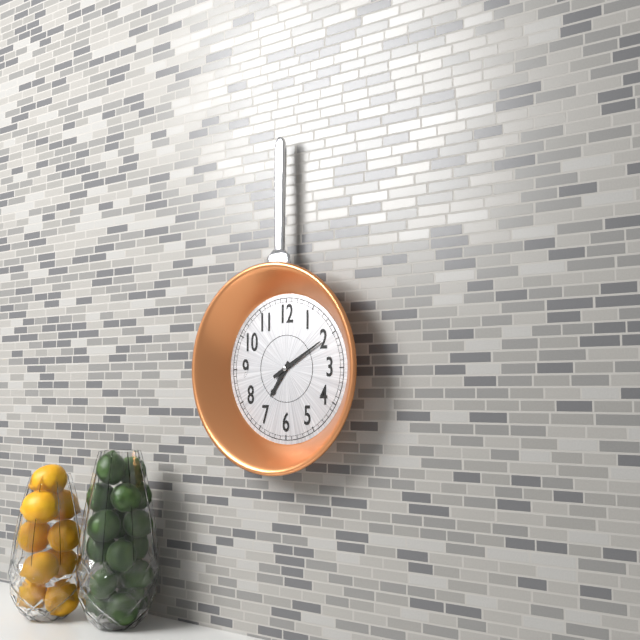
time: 7:10
